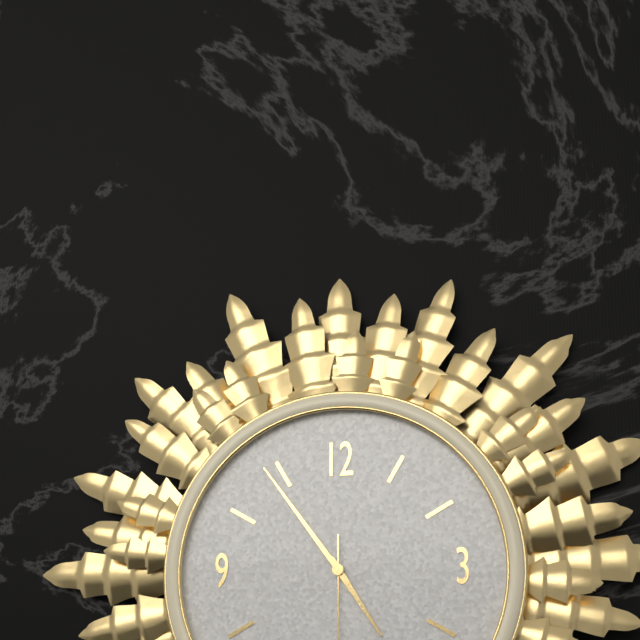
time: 4:54
